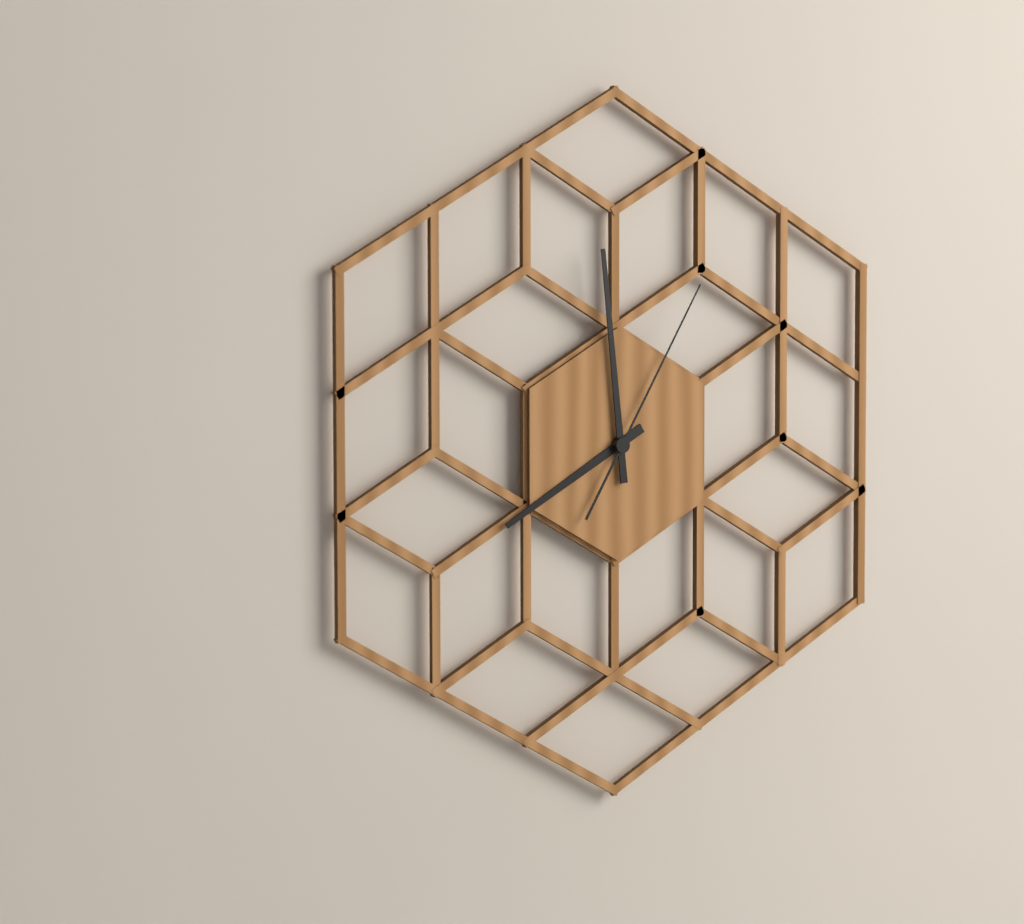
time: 7:59:05
